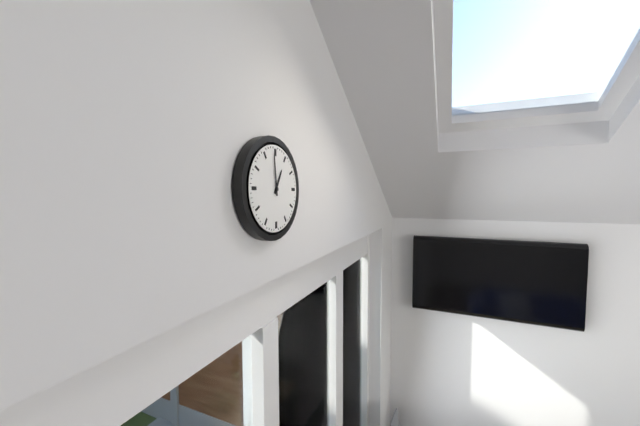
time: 12:59
